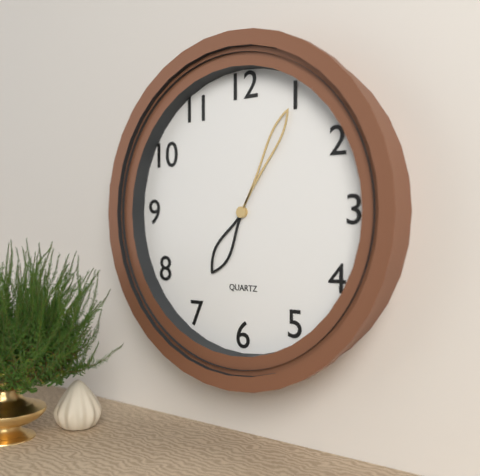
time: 7:05
